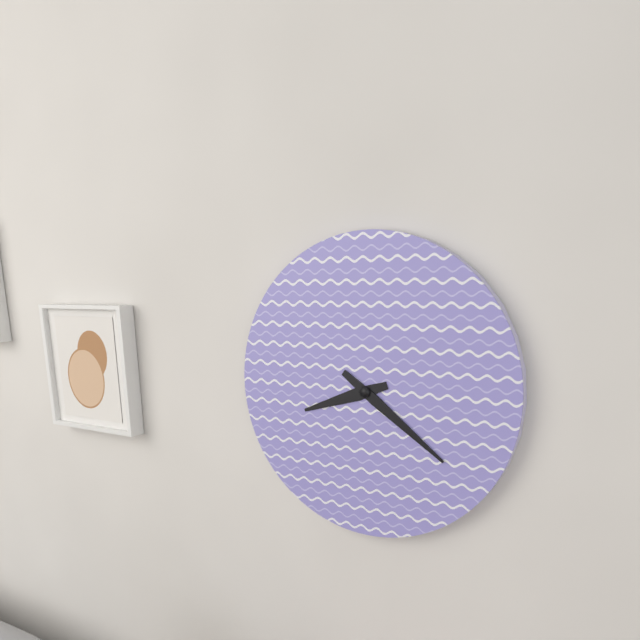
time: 8:21
